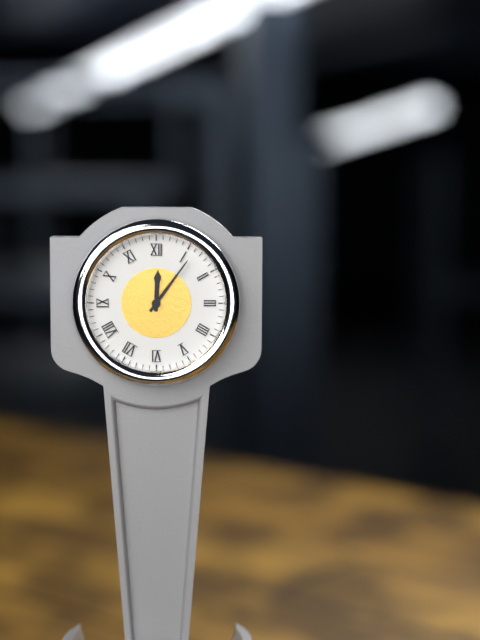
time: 12:06
